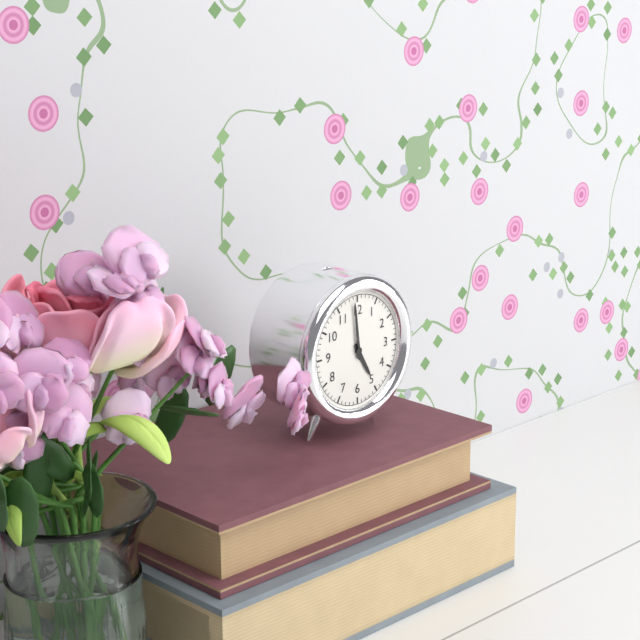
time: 4:59
